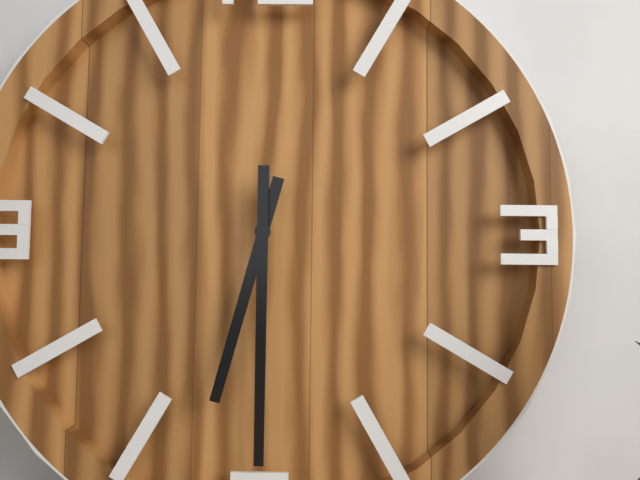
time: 6:30
